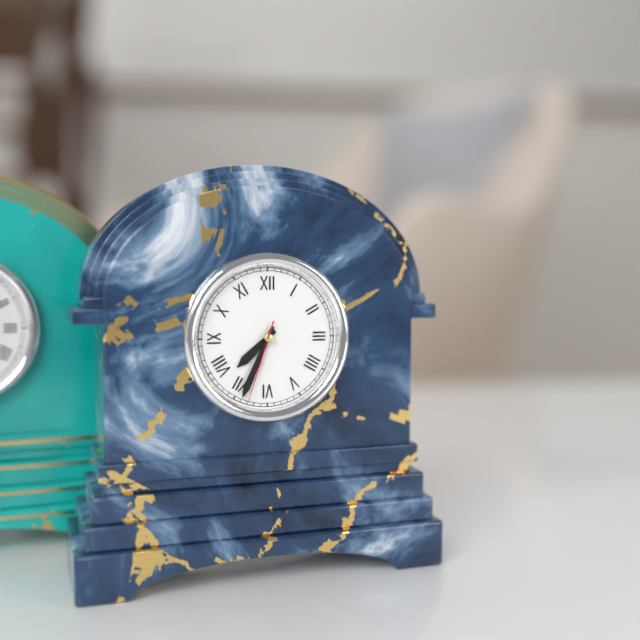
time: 7:34:33
